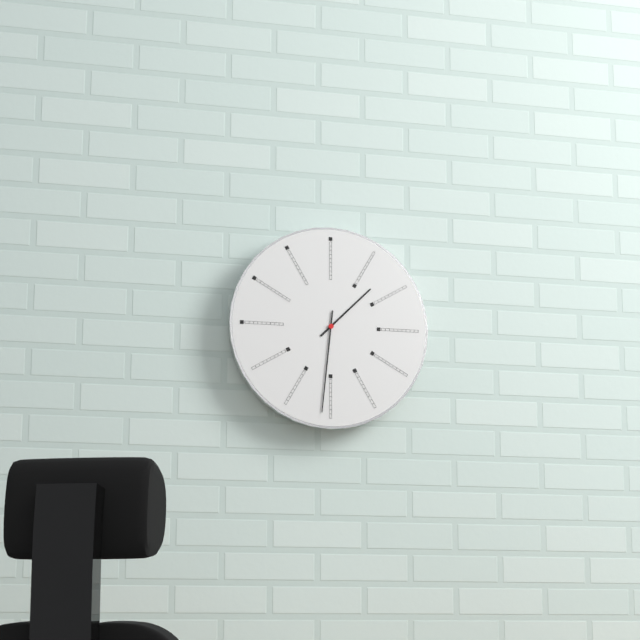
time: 1:31
